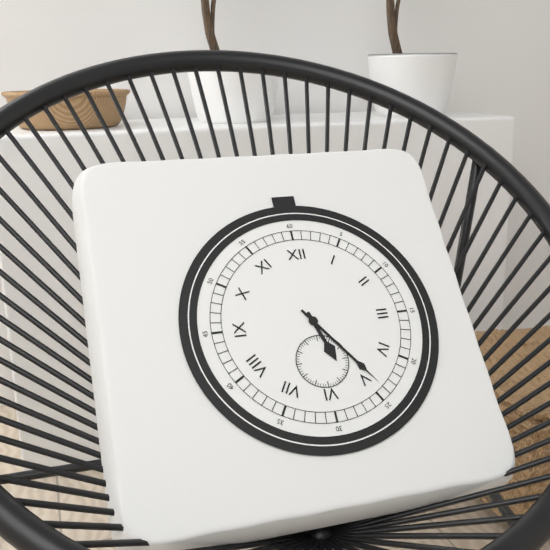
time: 5:24
